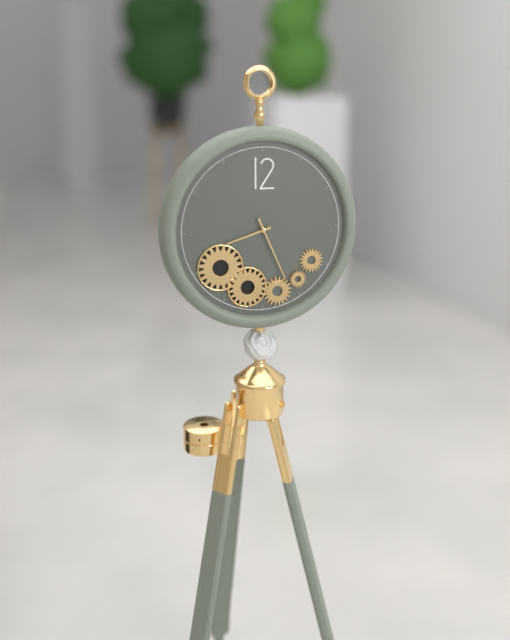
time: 8:26
